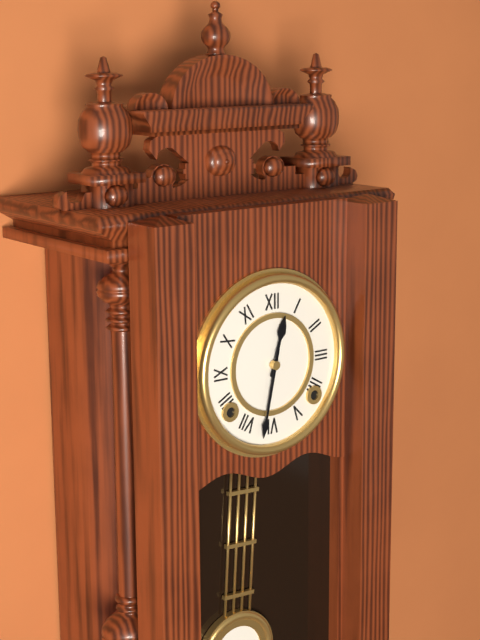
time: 12:32
